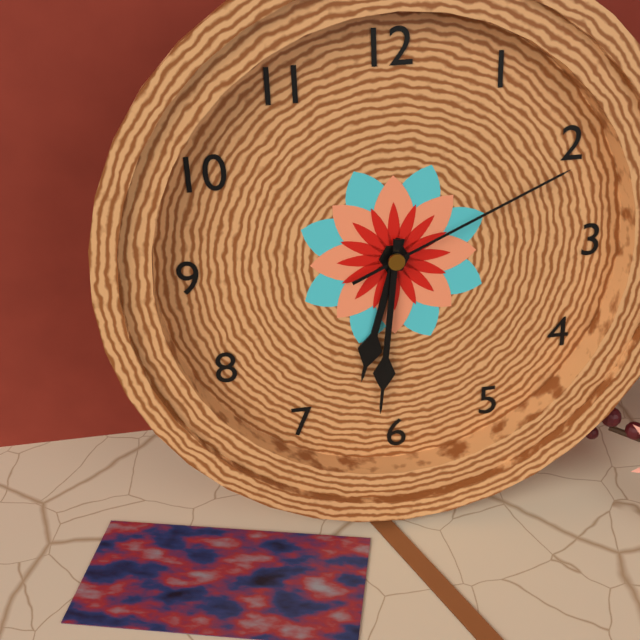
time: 6:31:11
